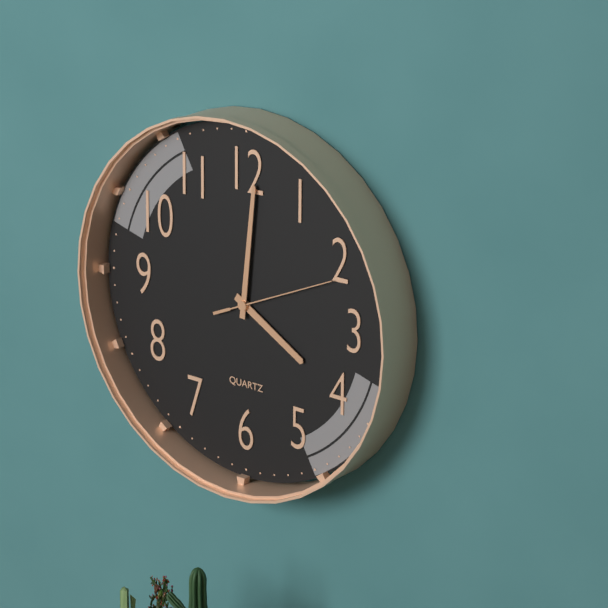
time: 4:01:11
